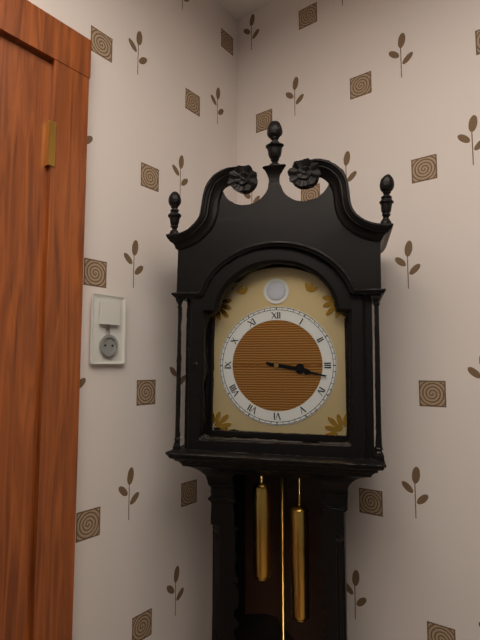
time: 3:17
